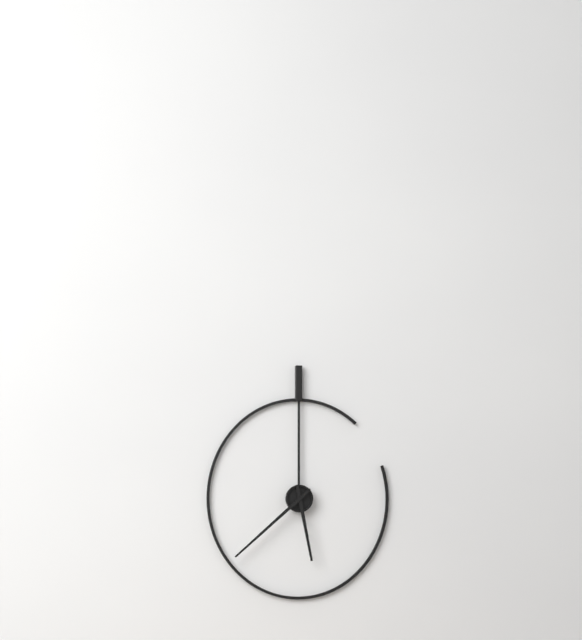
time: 5:38
